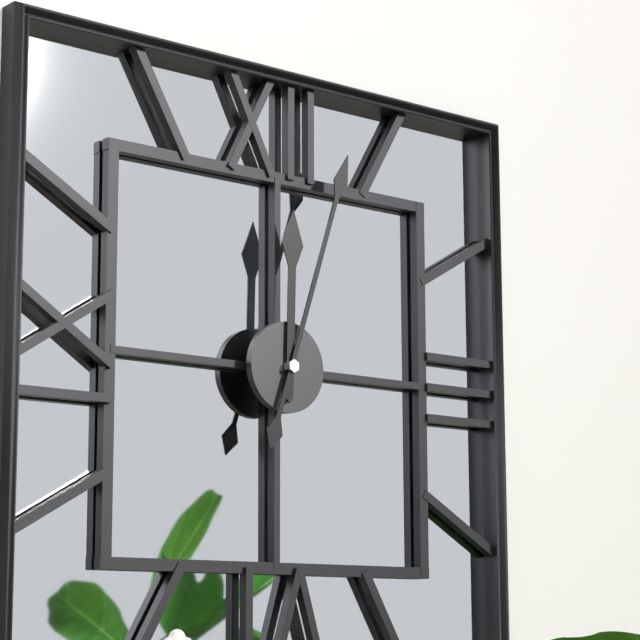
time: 12:03
